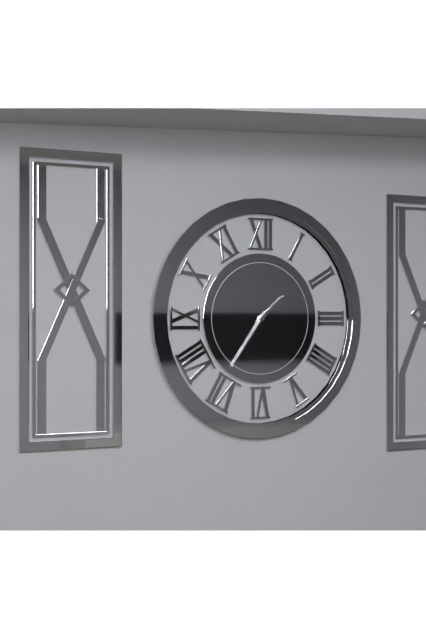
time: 1:36
